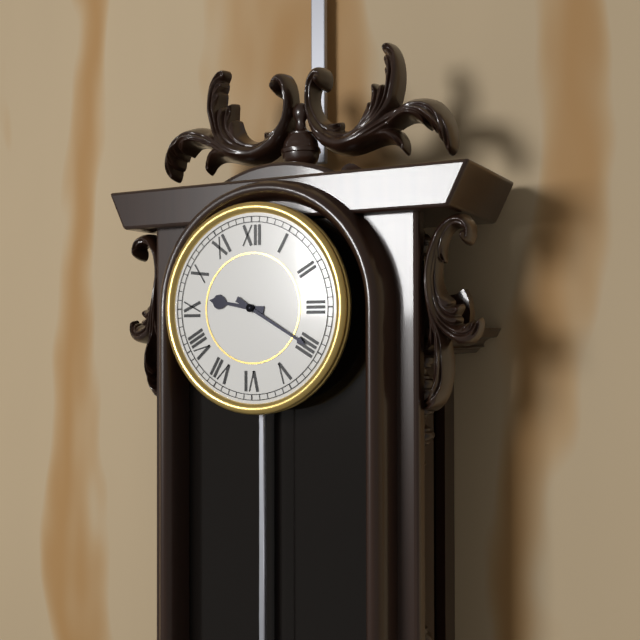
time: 9:20
